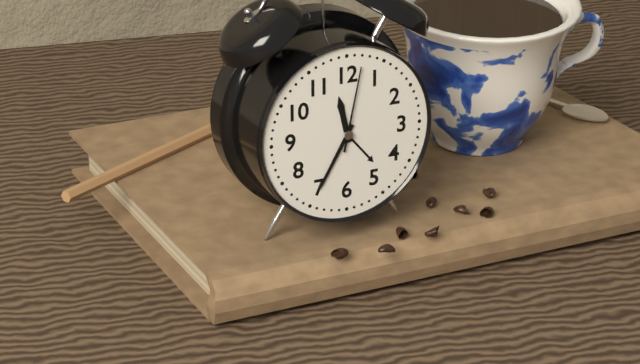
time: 11:35:02
